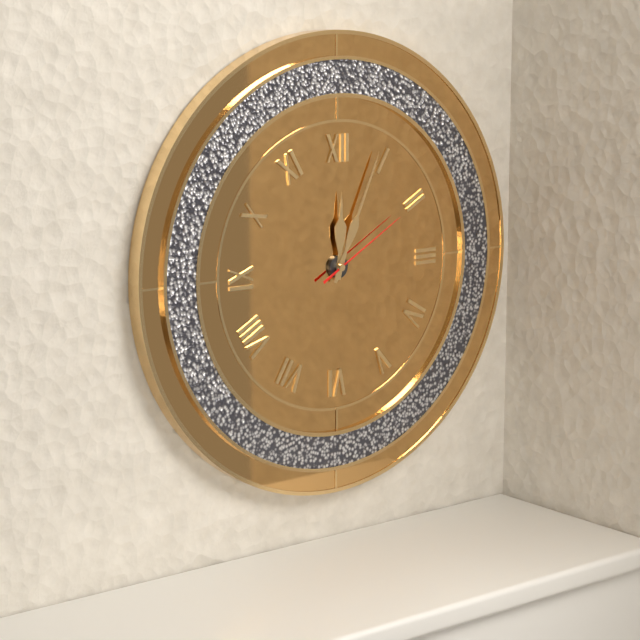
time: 12:04:10
